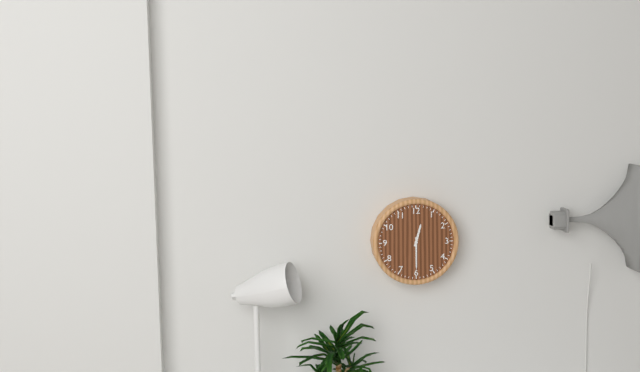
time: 12:30
